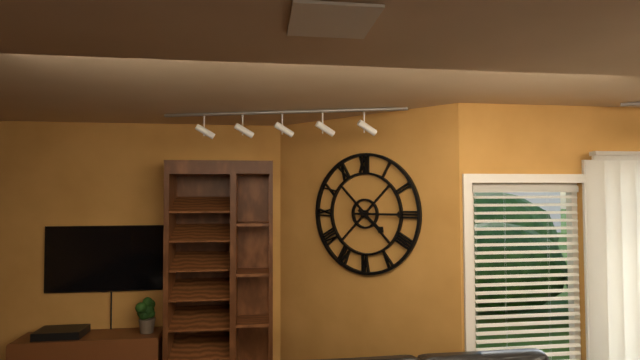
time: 4:15
